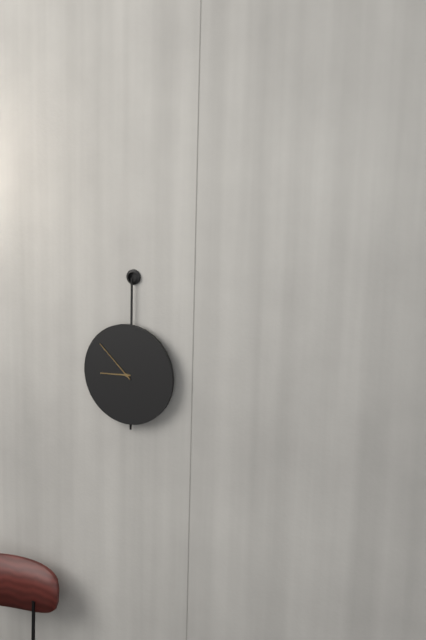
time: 8:52
